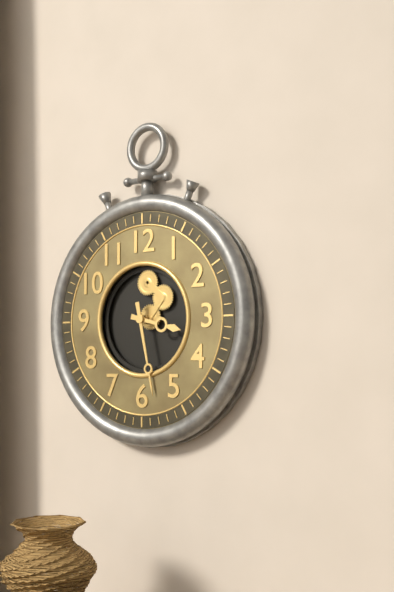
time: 3:28
